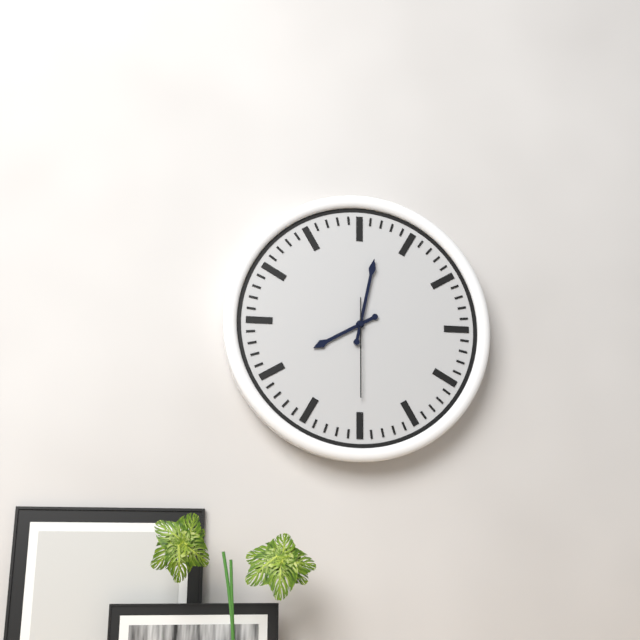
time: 8:02:30
